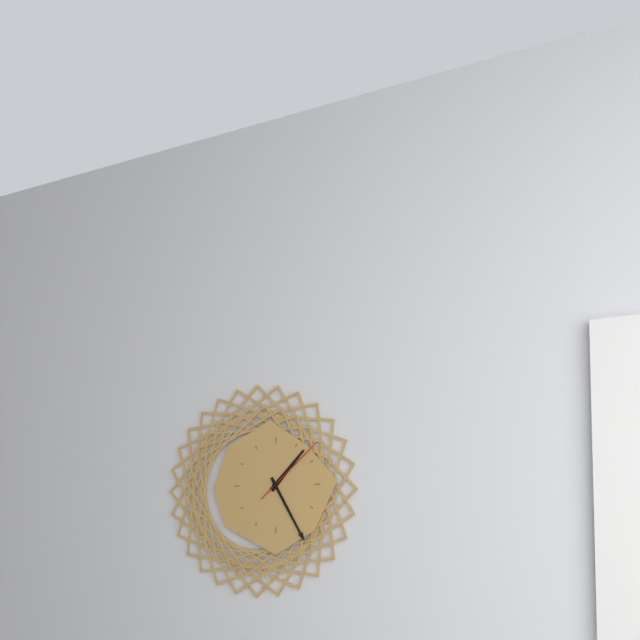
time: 1:25:08
